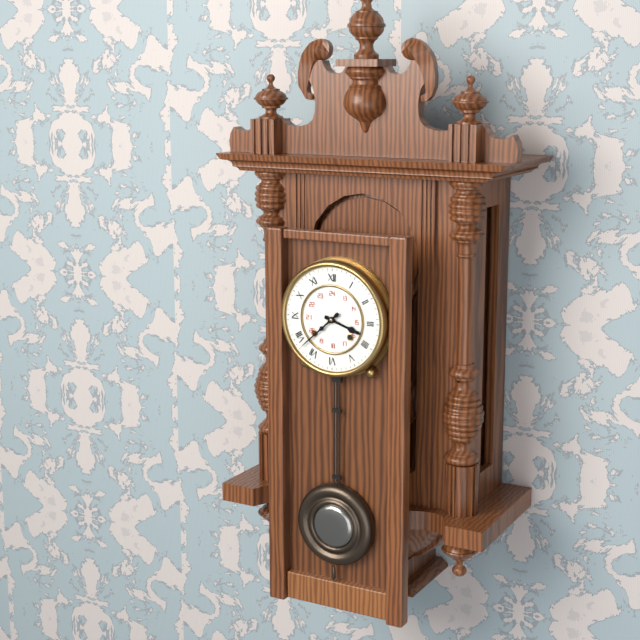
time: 3:38
